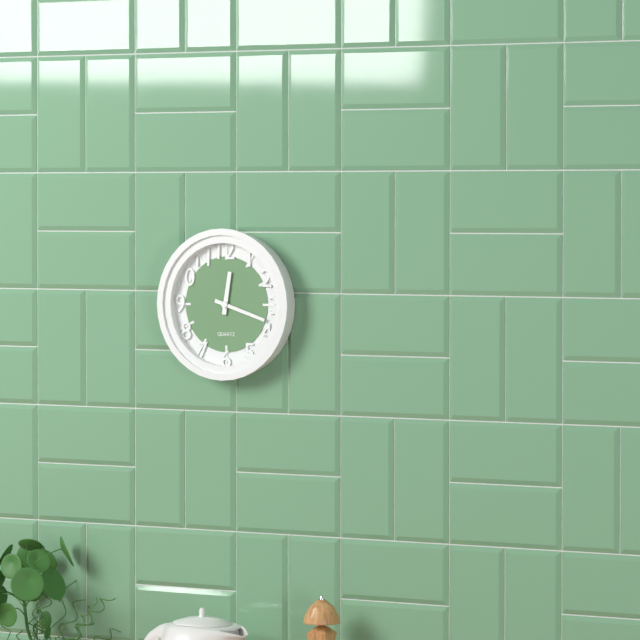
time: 12:18
